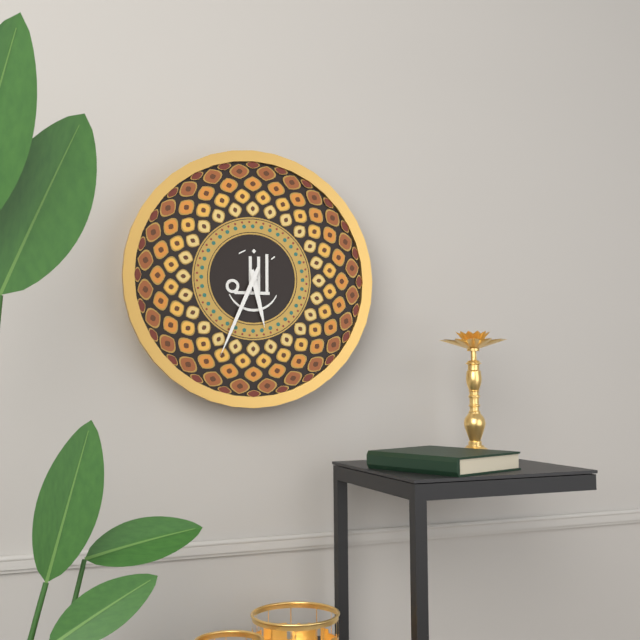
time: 5:34
